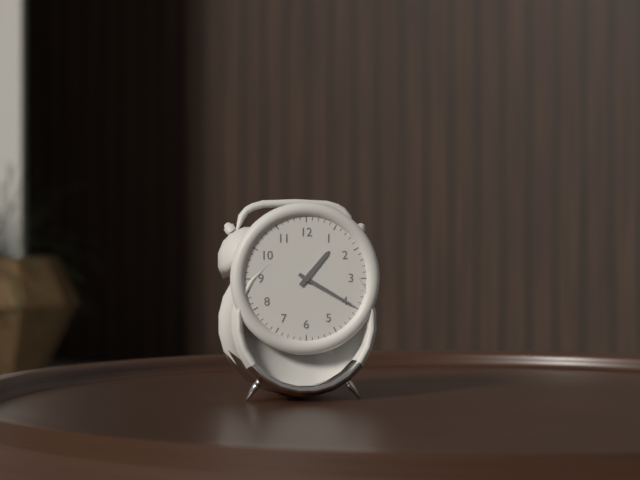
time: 1:20
